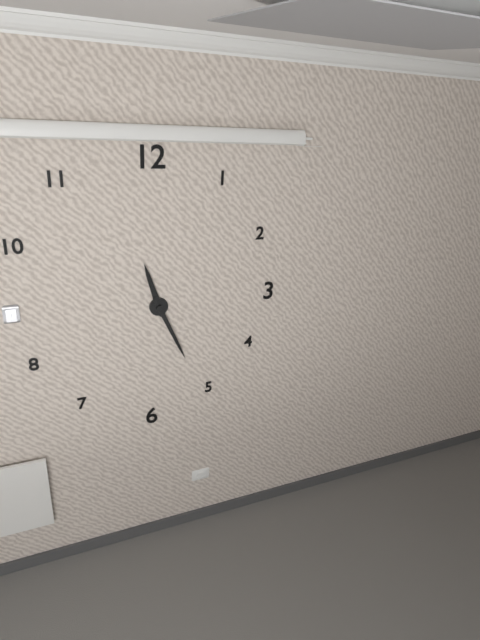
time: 11:26
